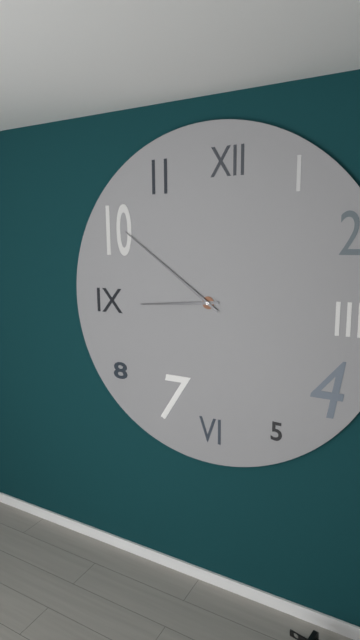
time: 8:51
